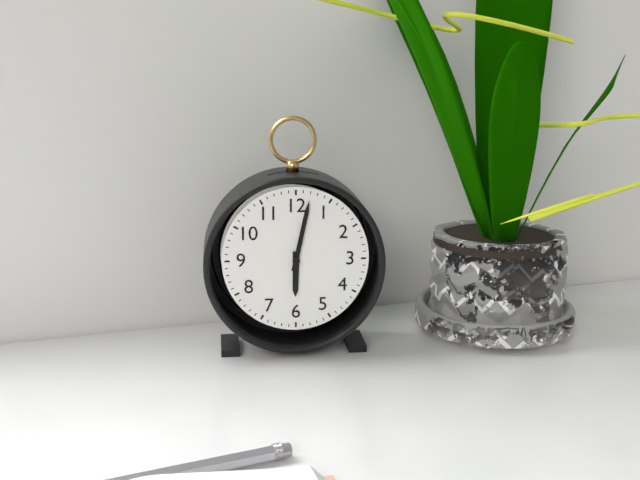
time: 6:02
